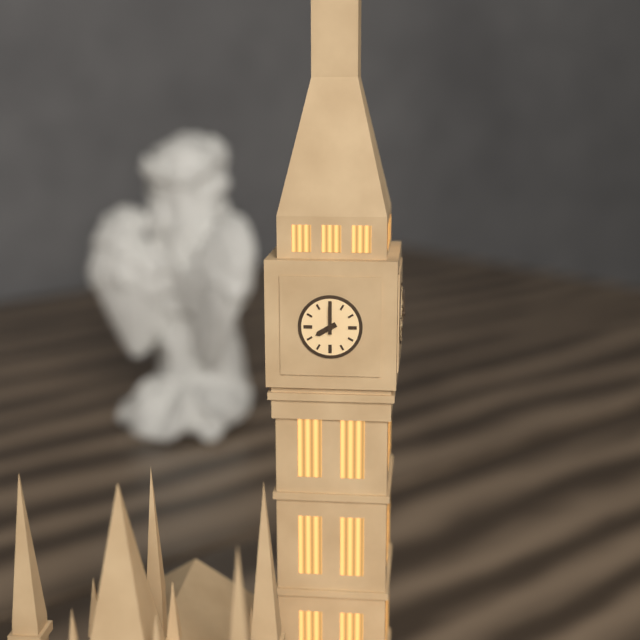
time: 8:00
